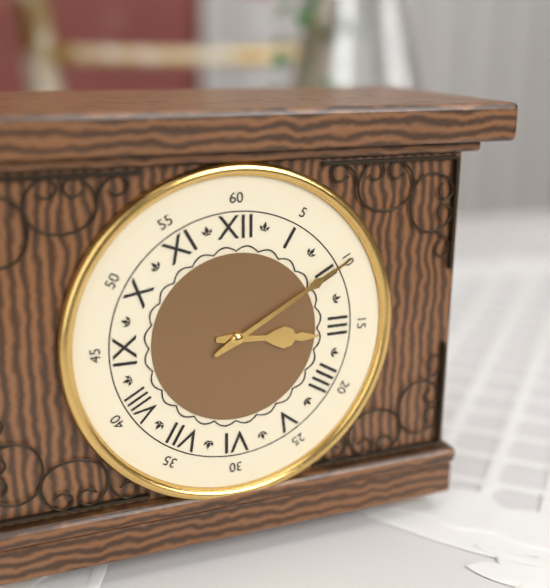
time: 3:10
